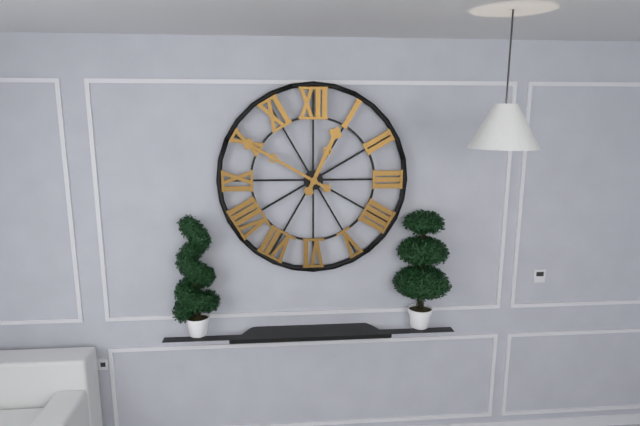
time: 12:50
